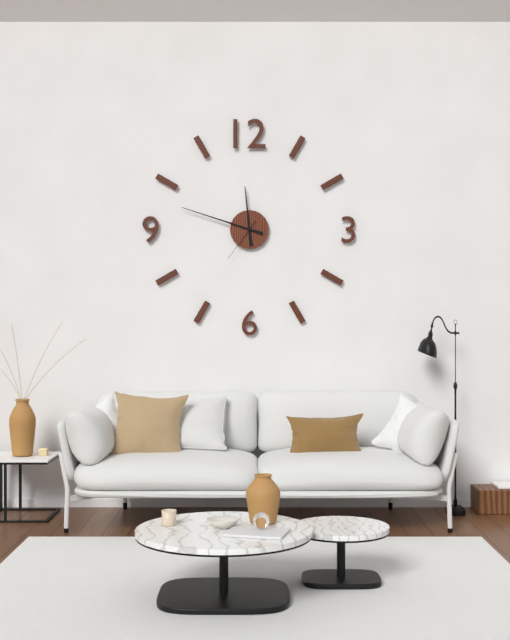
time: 11:48
